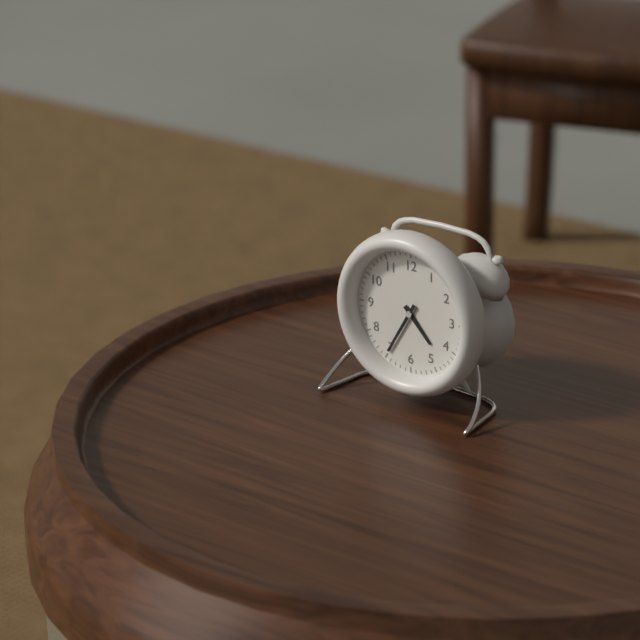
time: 4:35
